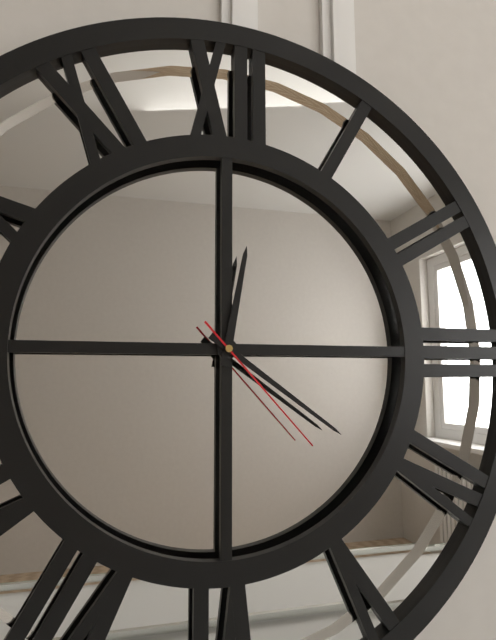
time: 12:21:23
